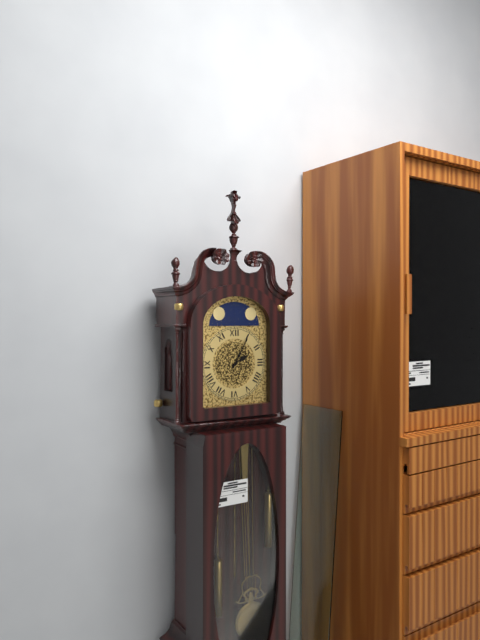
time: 2:05
